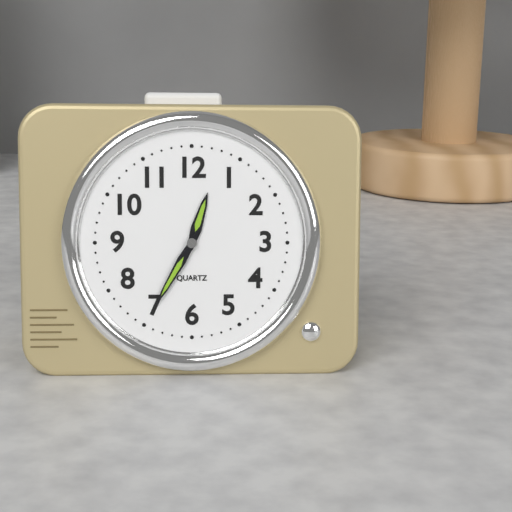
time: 12:35
